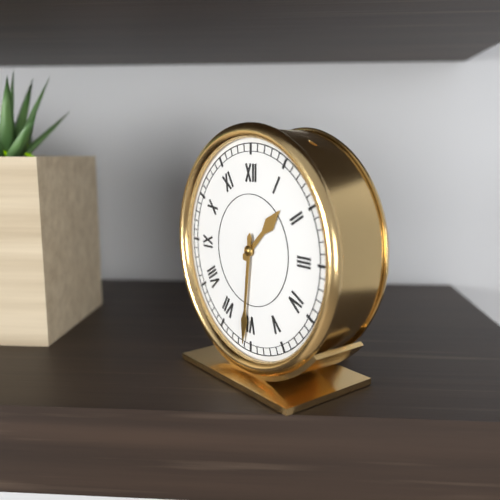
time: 1:31
